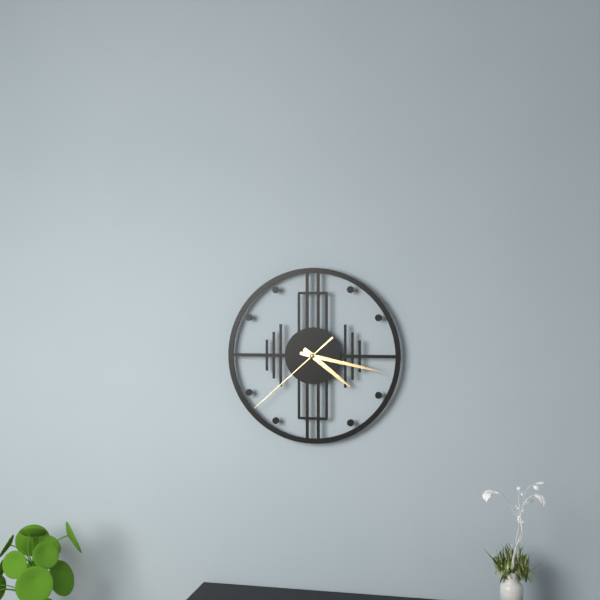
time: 4:17:38
